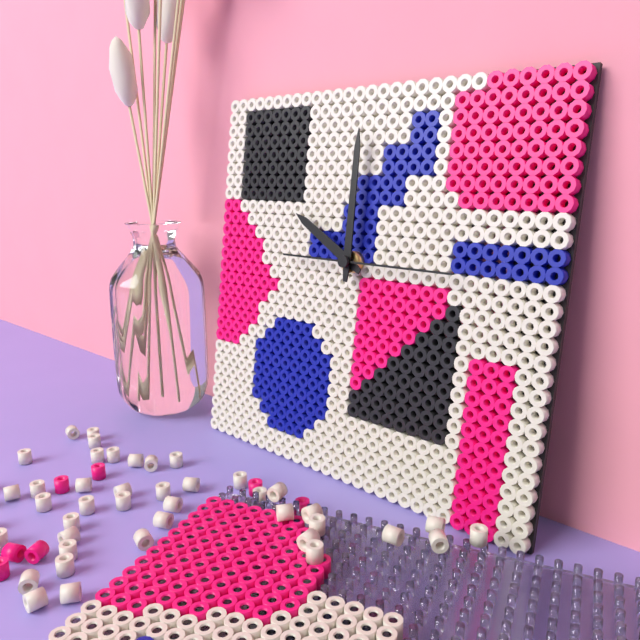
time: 10:00:15
